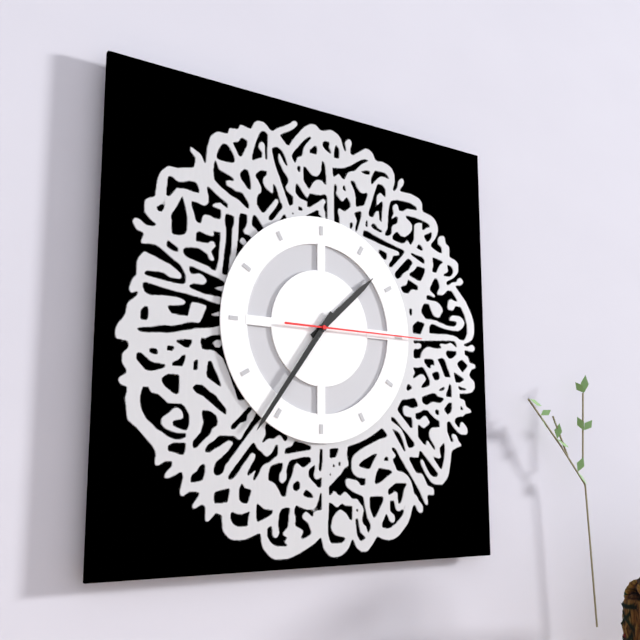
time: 1:36:15
